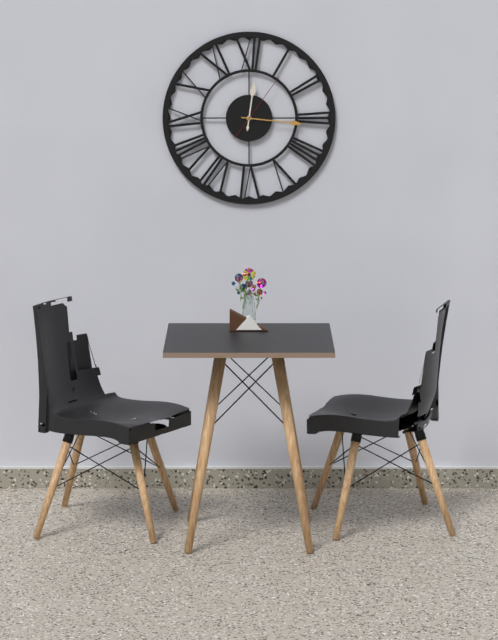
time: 12:16:06
